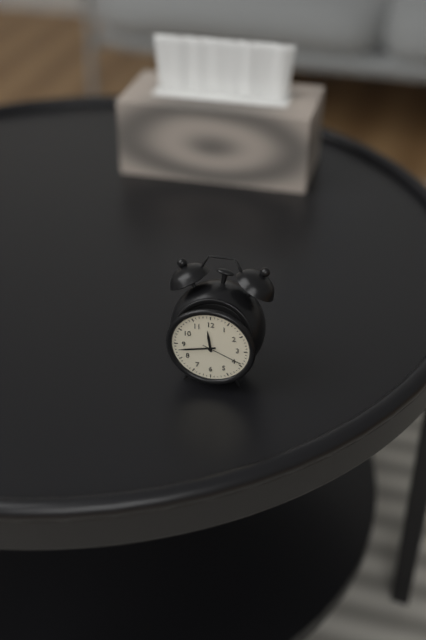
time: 11:43
